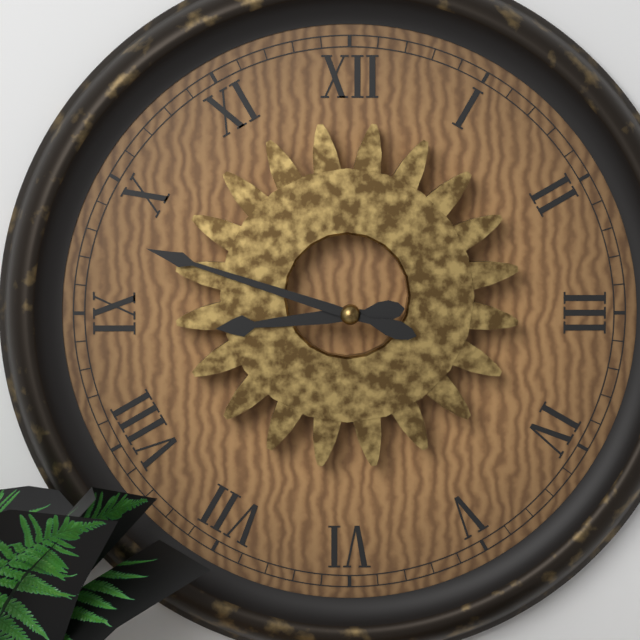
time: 8:48
